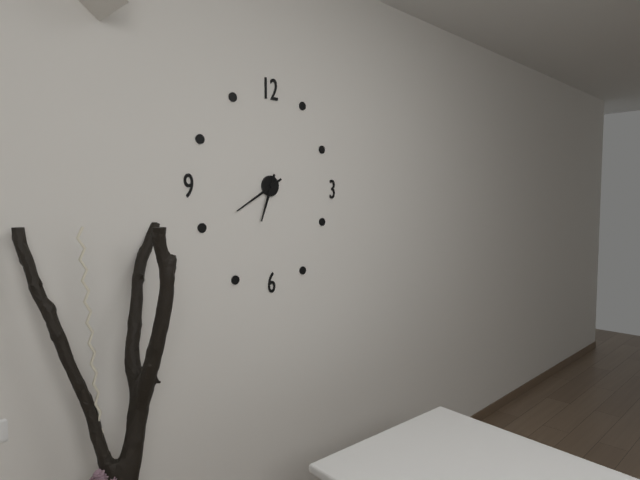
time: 6:40
